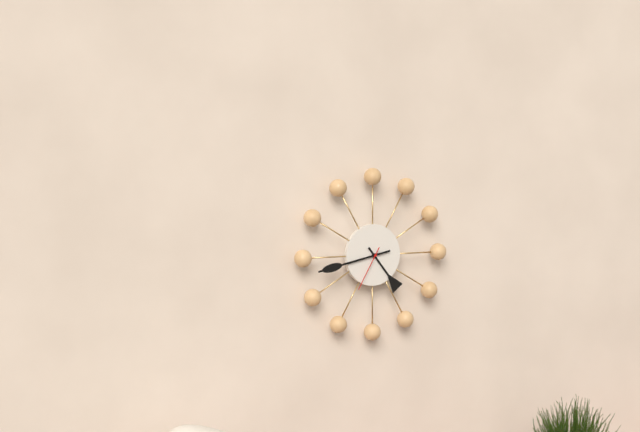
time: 4:43
